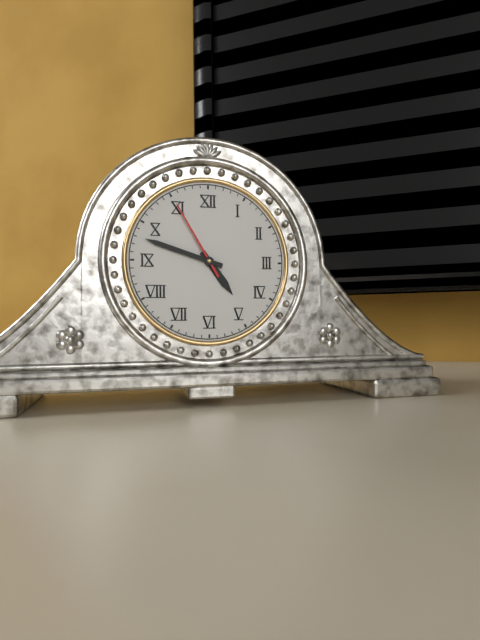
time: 4:48:55
